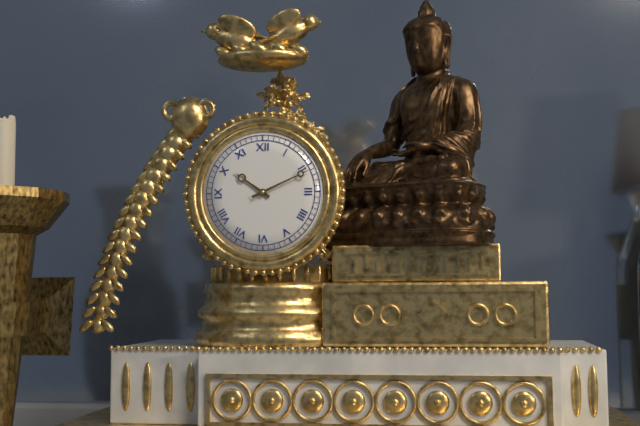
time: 10:11
